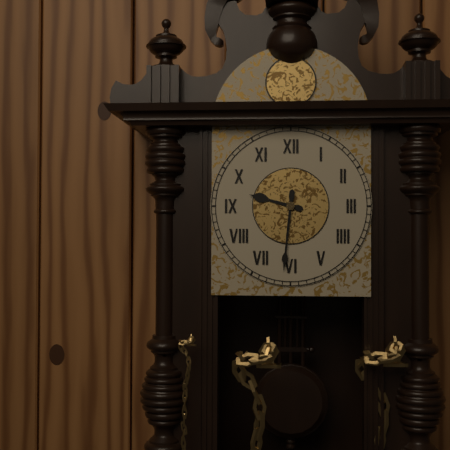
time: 9:31
